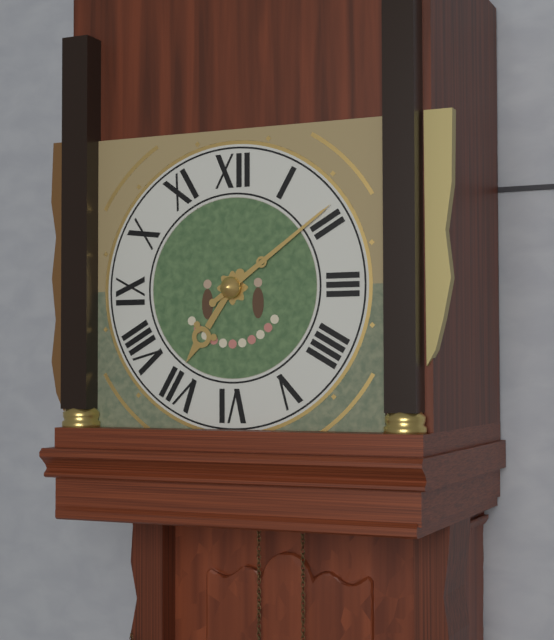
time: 7:09
